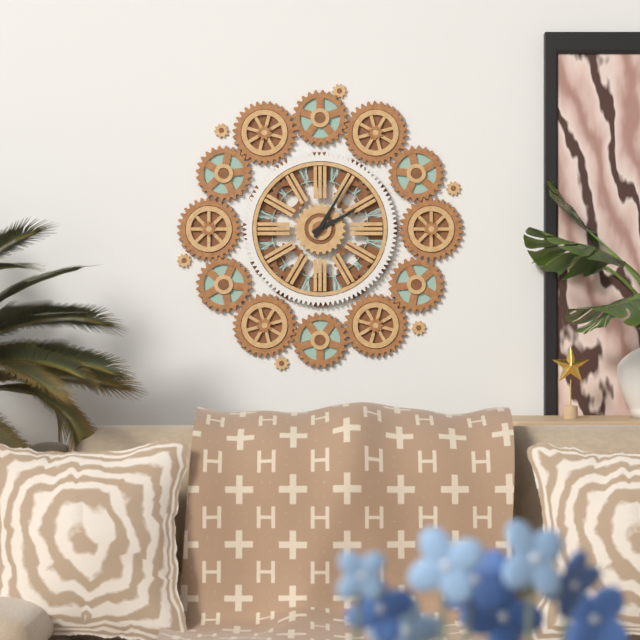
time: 2:05
